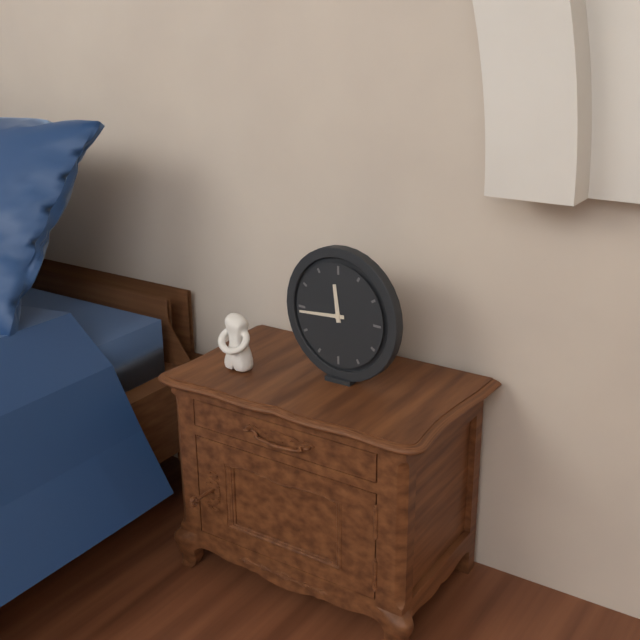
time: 11:44
